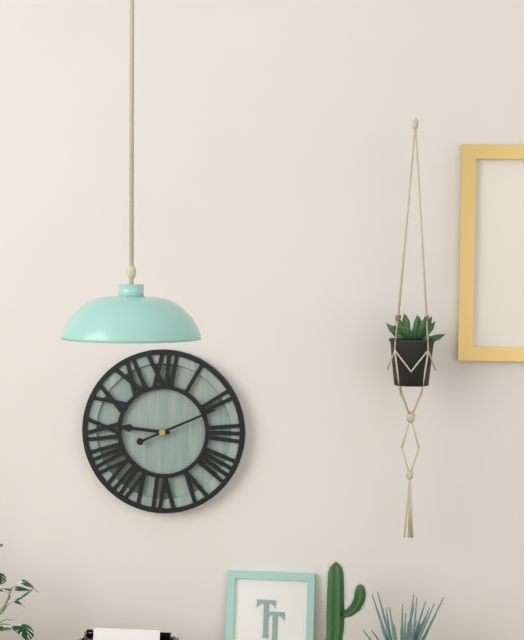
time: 9:11
